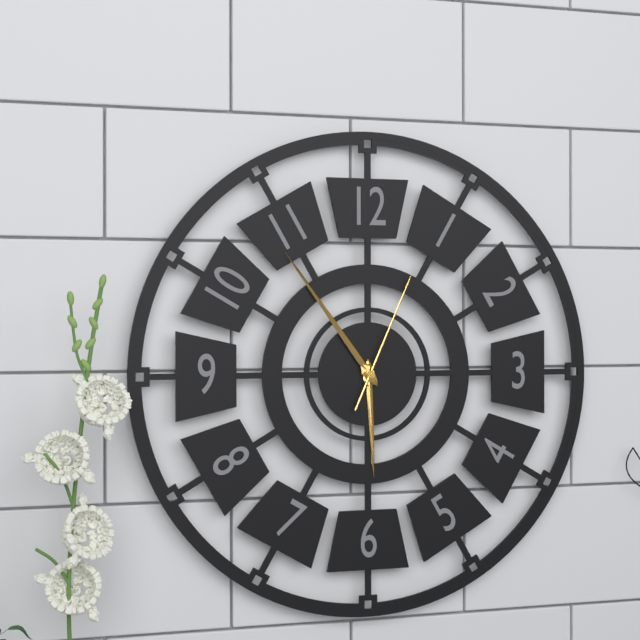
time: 5:54:04
